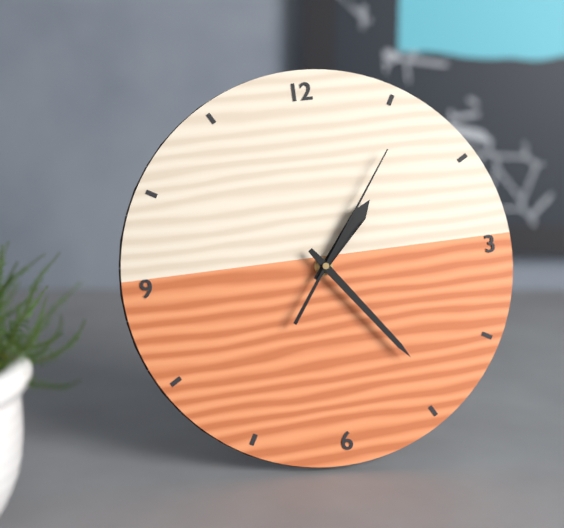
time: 1:24:06
